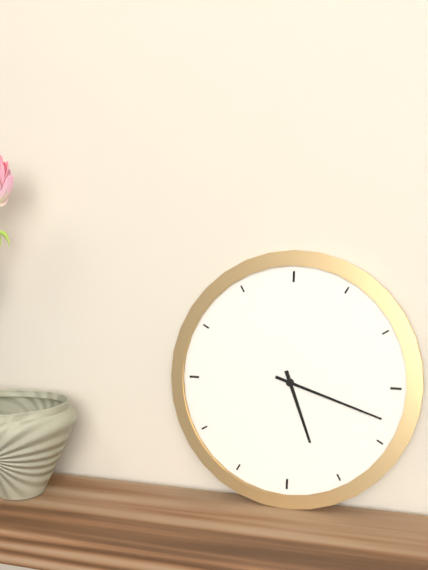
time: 5:18
